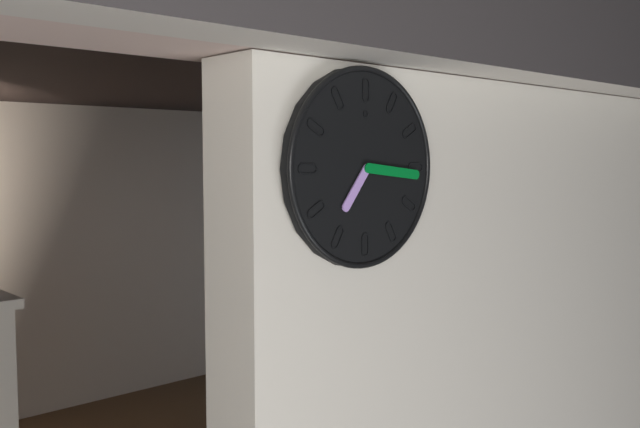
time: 7:16
